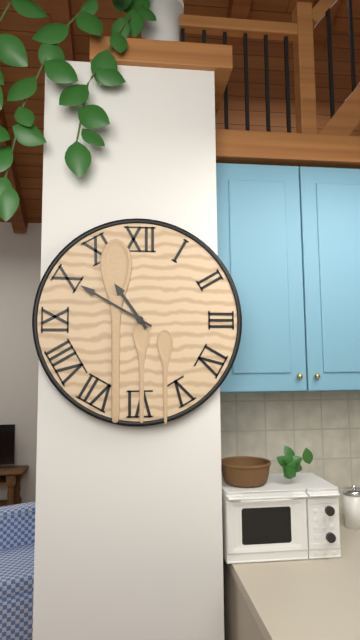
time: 10:50
